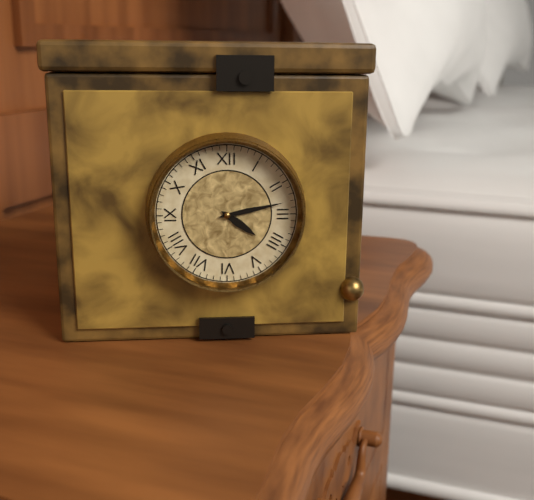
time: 4:13
